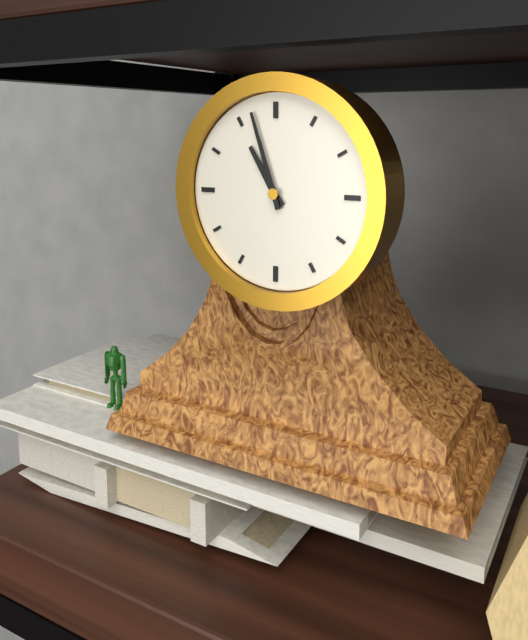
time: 10:57
